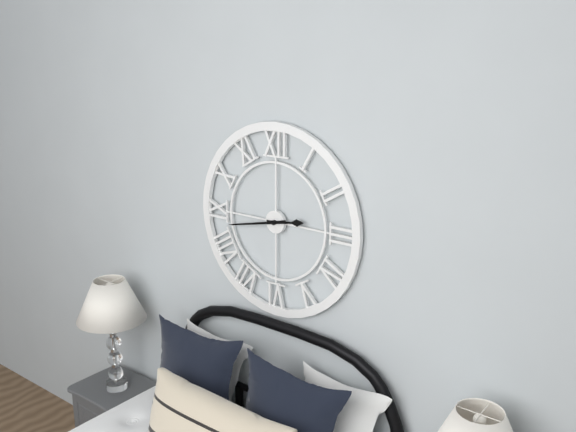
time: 2:43
